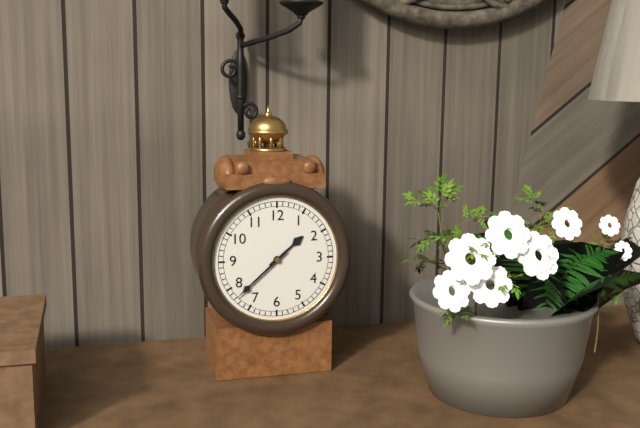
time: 1:38
